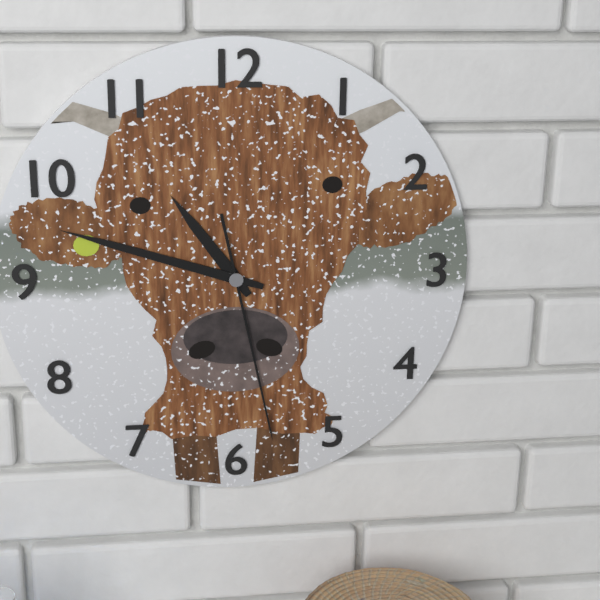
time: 10:48:28
